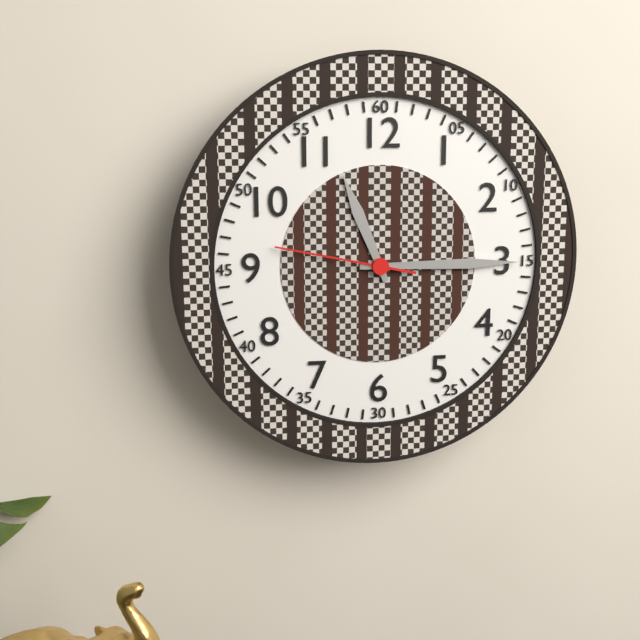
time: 11:15:47
